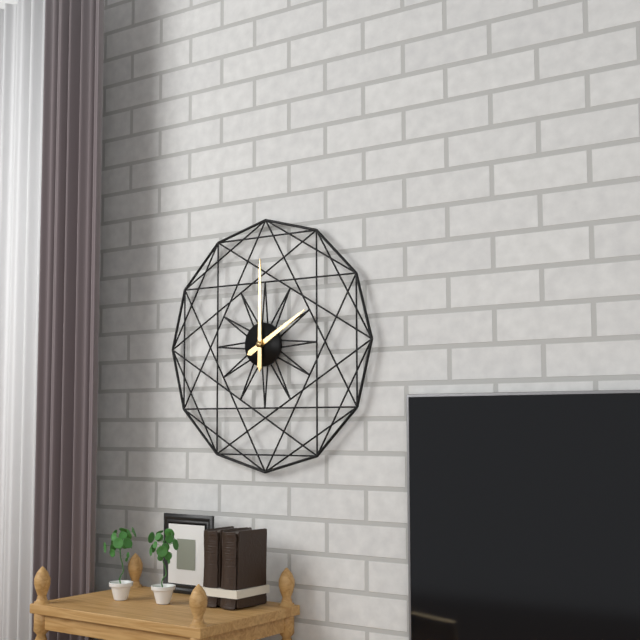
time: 2:00
